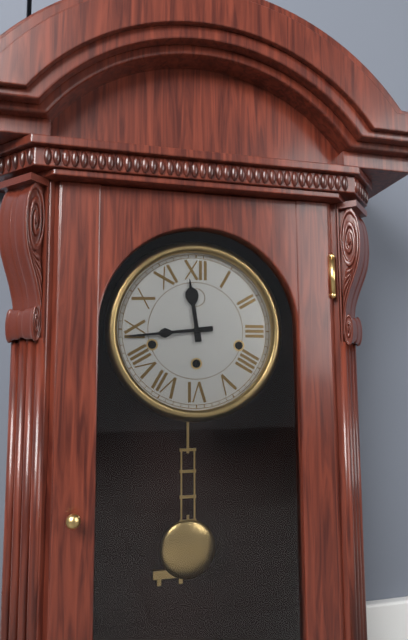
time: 11:44
